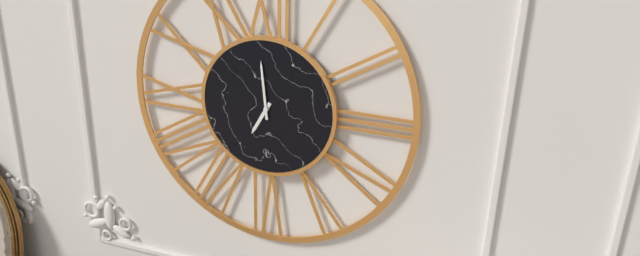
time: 6:59
